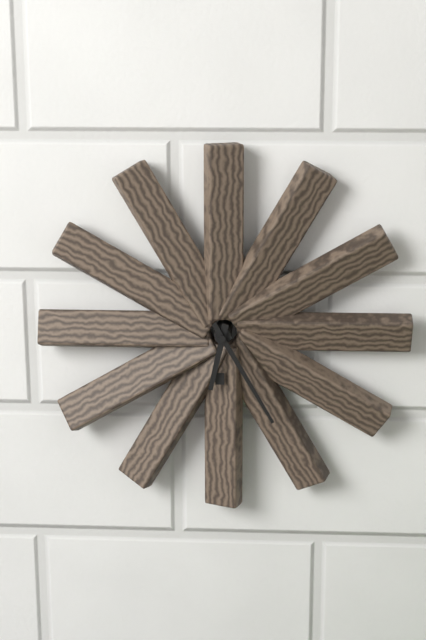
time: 6:25
